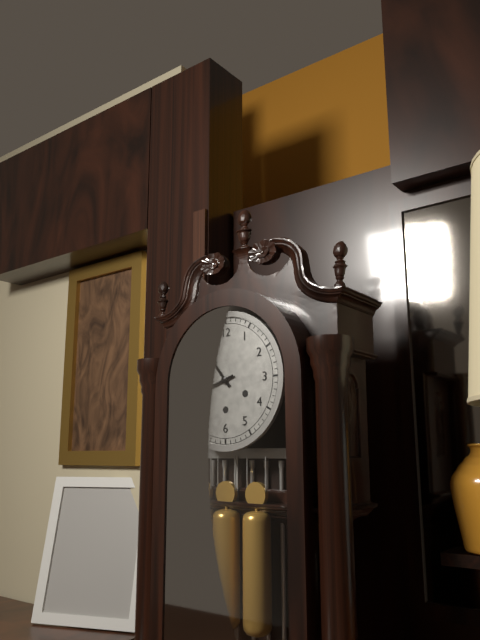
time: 10:42
